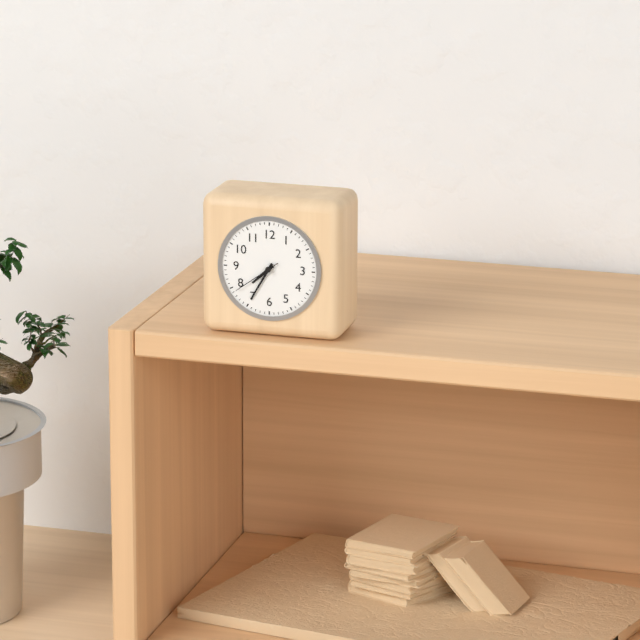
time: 7:35
